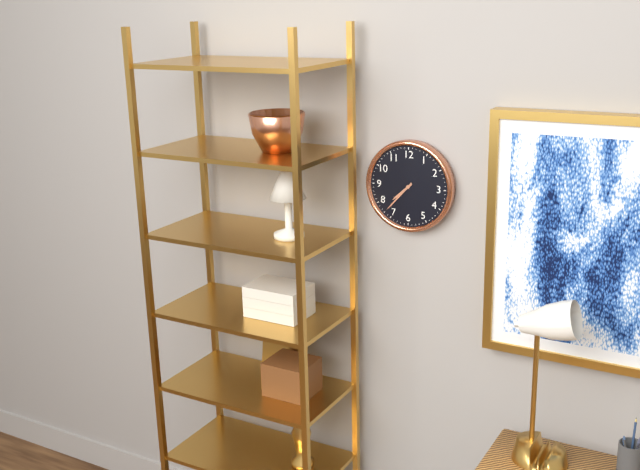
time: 7:37
